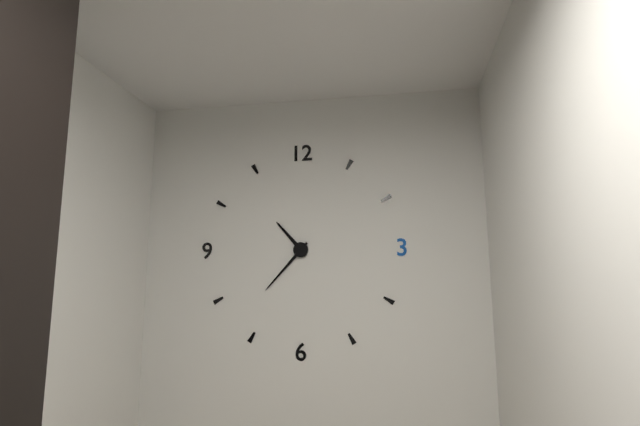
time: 10:37
